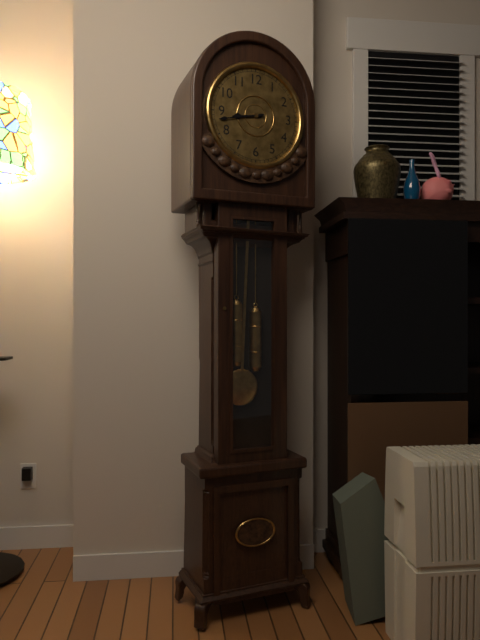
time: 8:43
